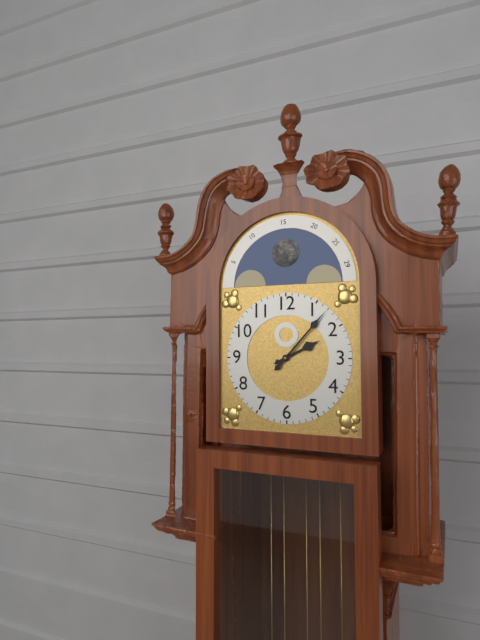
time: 2:07
